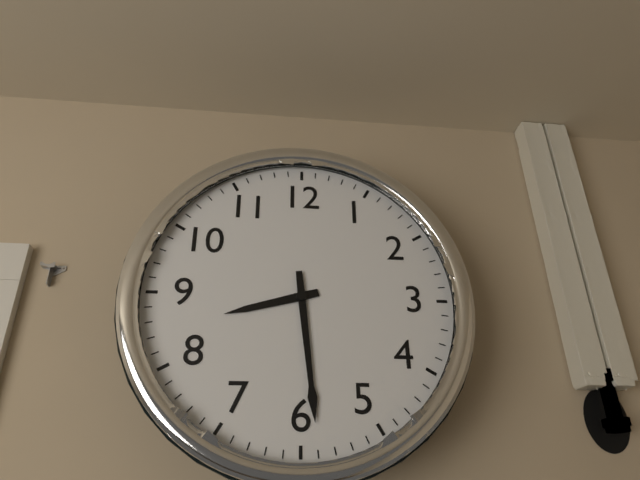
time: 8:29
